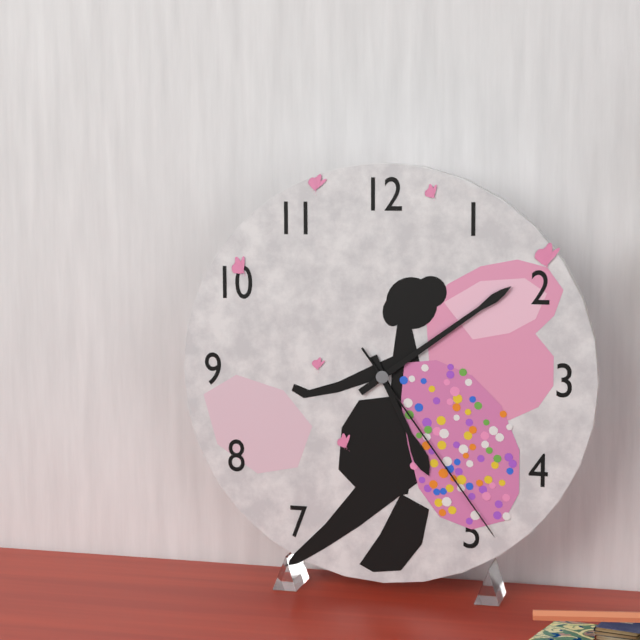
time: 5:09:24
